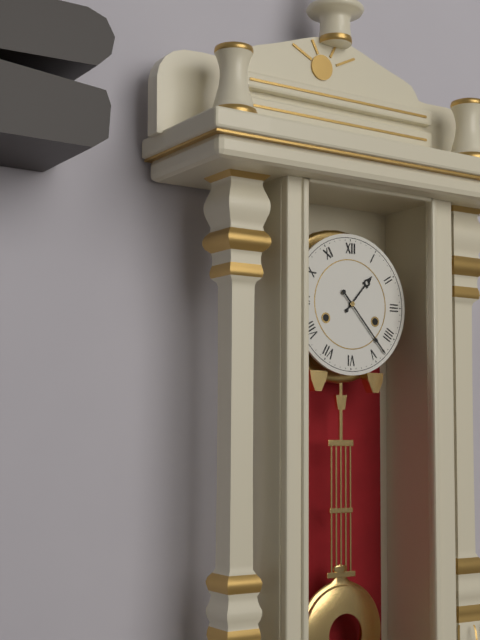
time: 1:23
